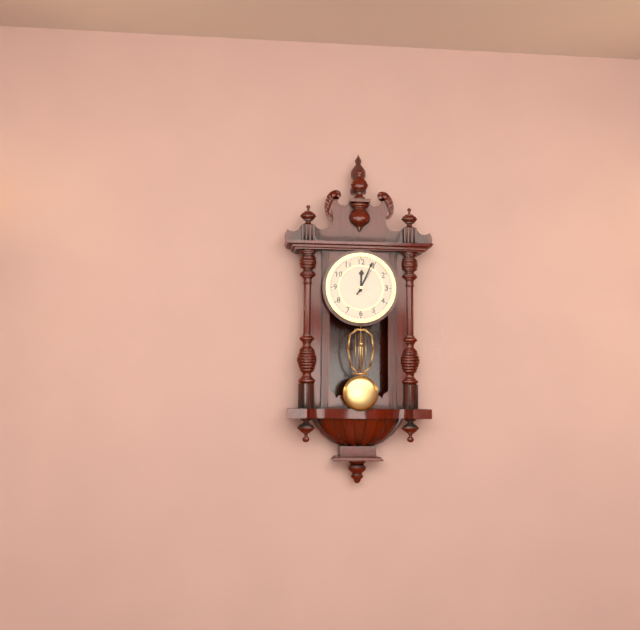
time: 12:04
